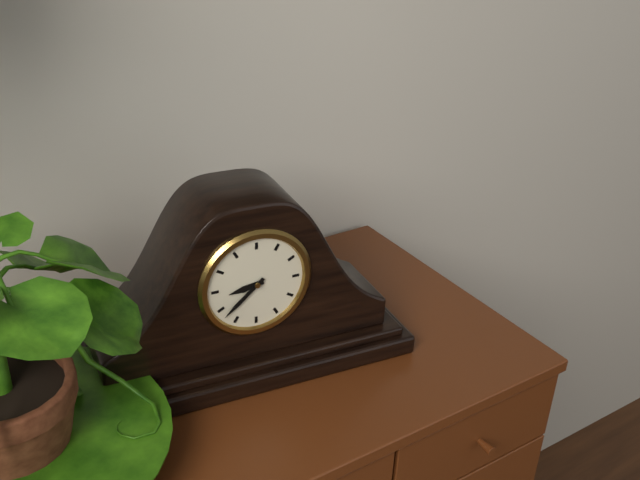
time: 8:38
